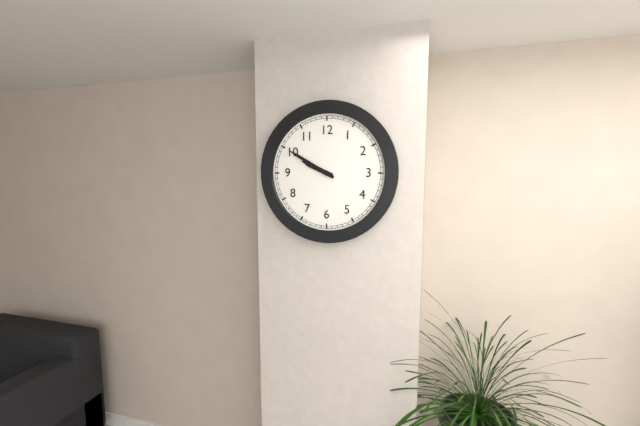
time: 9:50
